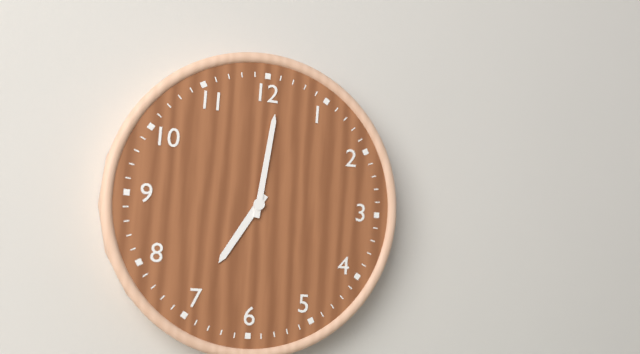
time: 7:01
